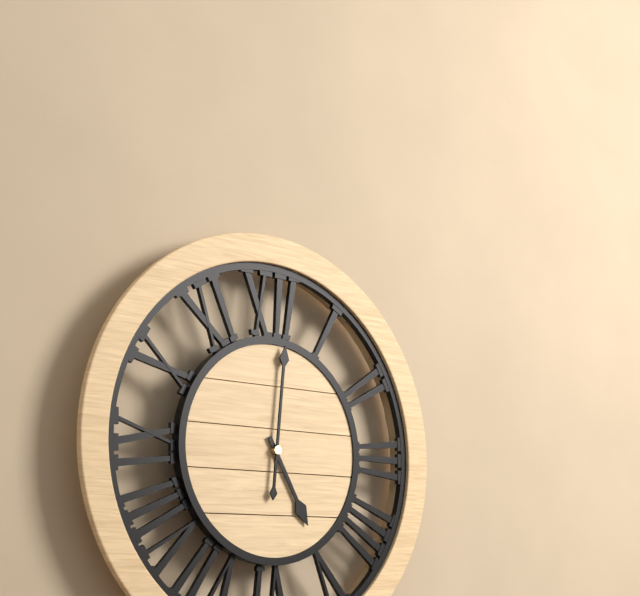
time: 5:01
